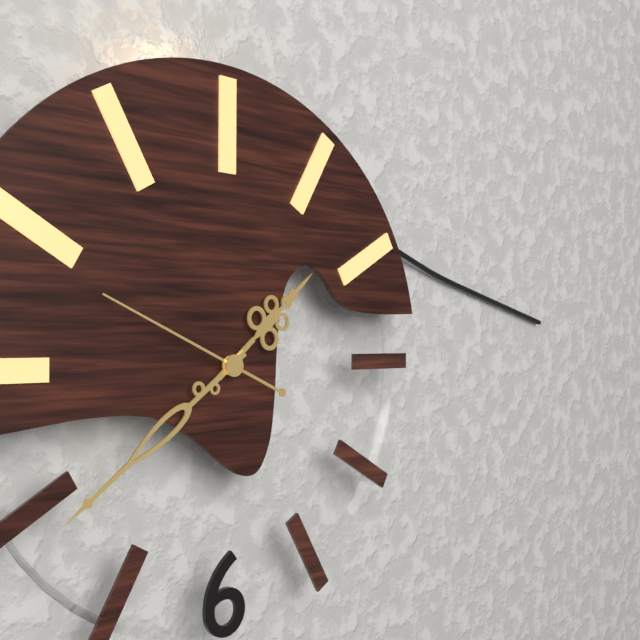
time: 1:39:49
